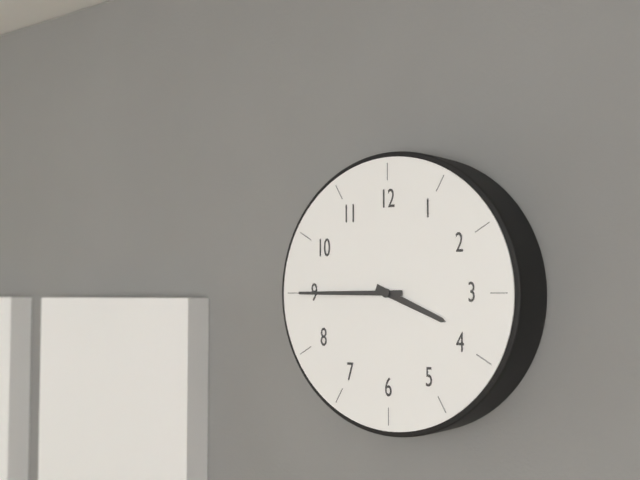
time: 3:45
